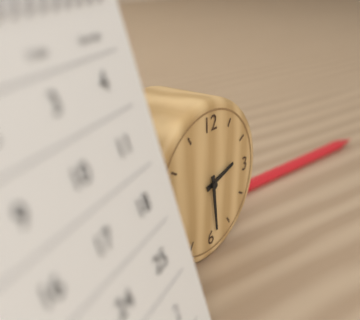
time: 2:29
